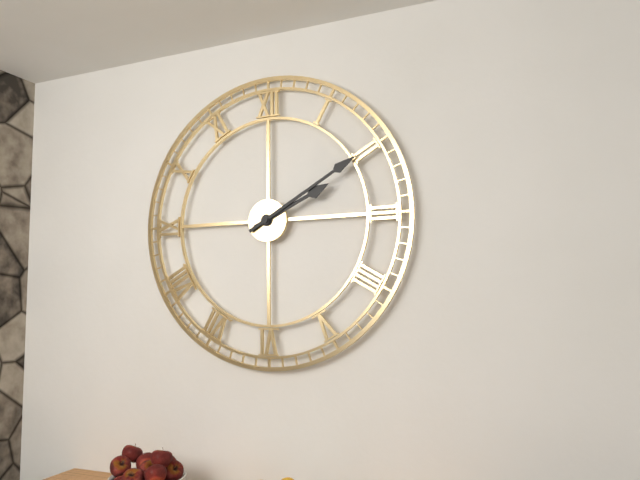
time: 2:10
